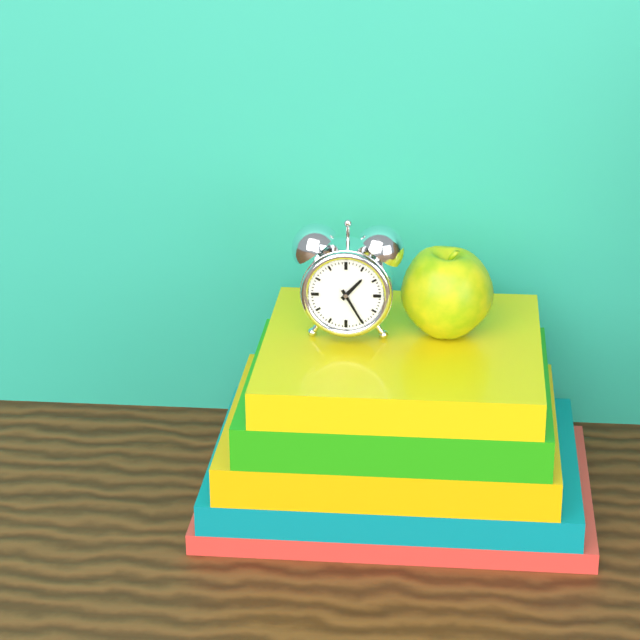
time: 1:25
